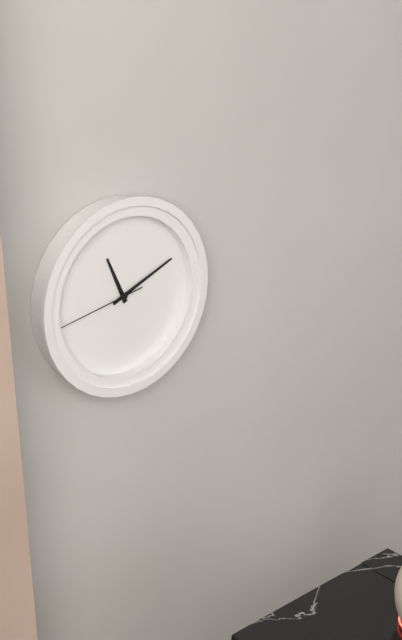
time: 11:11:43
